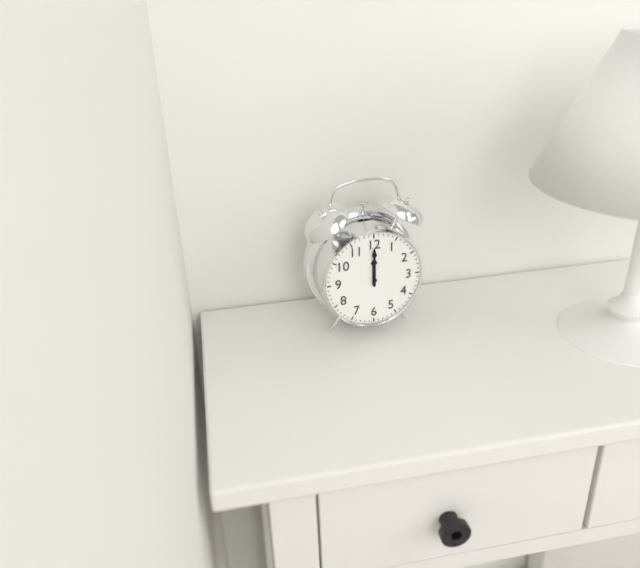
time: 12:00
